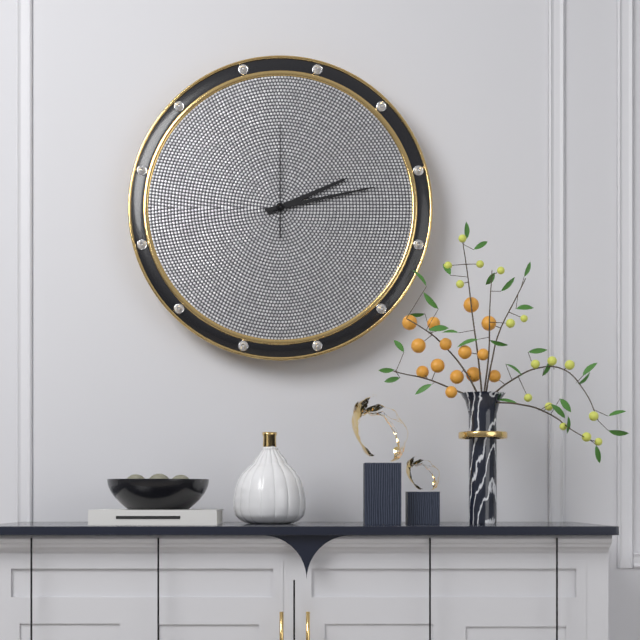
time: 2:13:00
